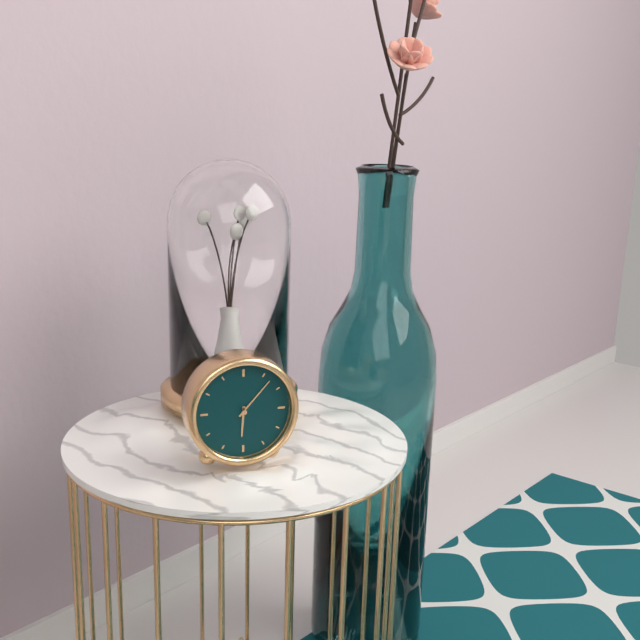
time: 6:07
